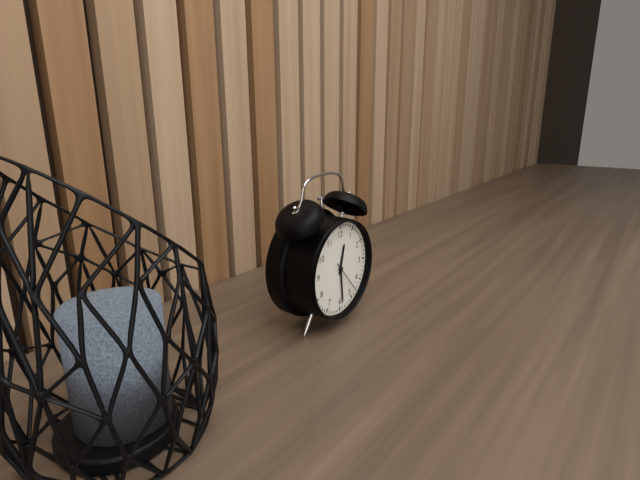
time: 12:29
